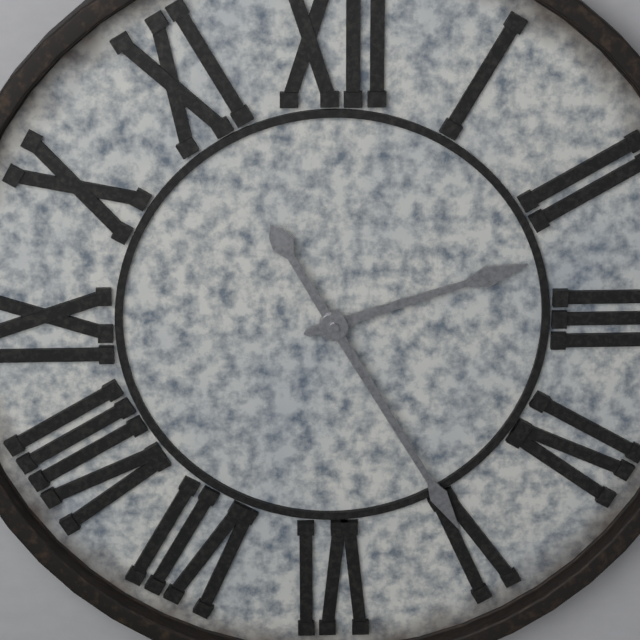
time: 2:25
